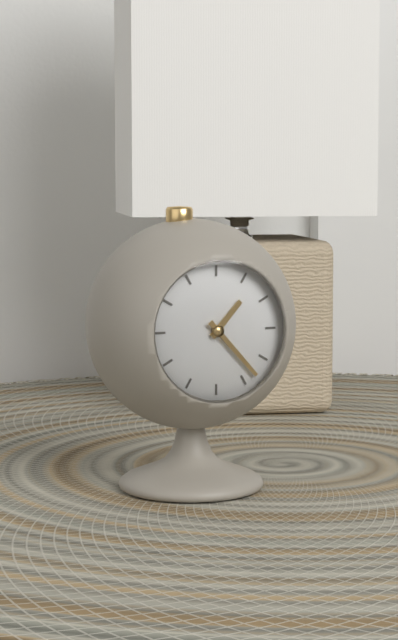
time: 1:23
